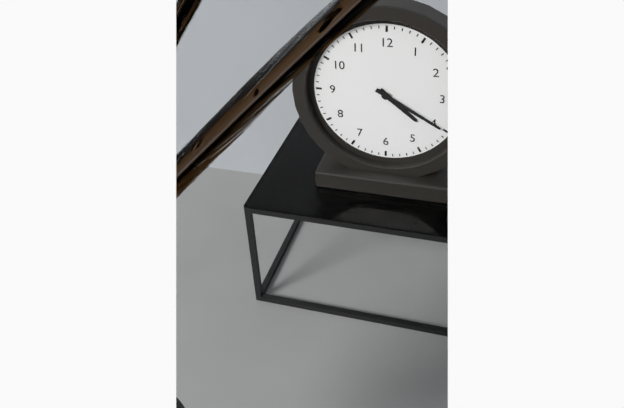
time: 4:20
